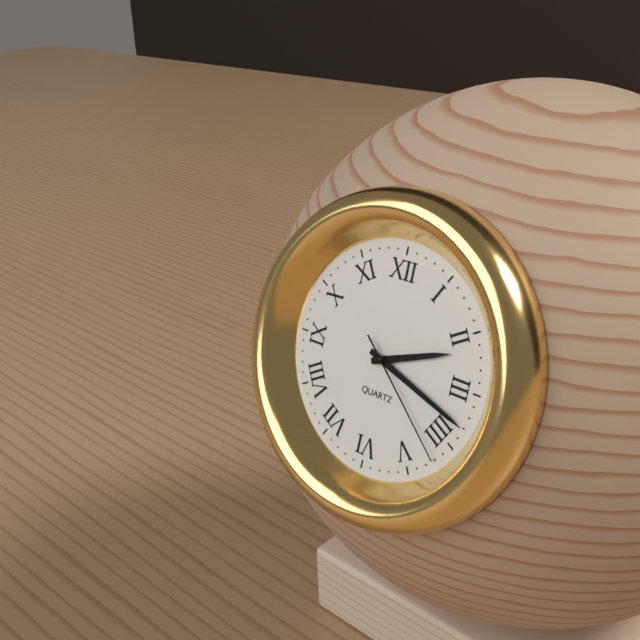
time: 2:18:22
